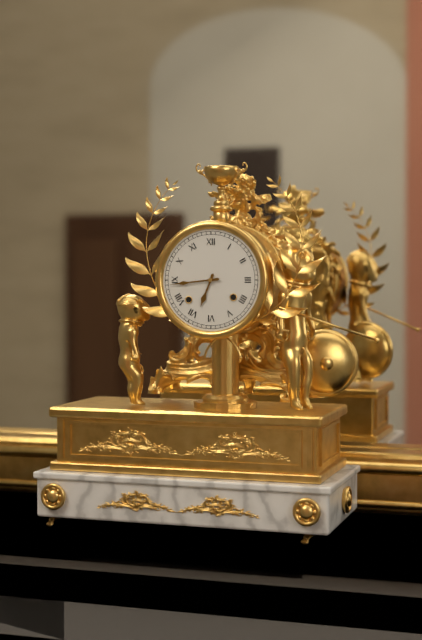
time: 6:44
